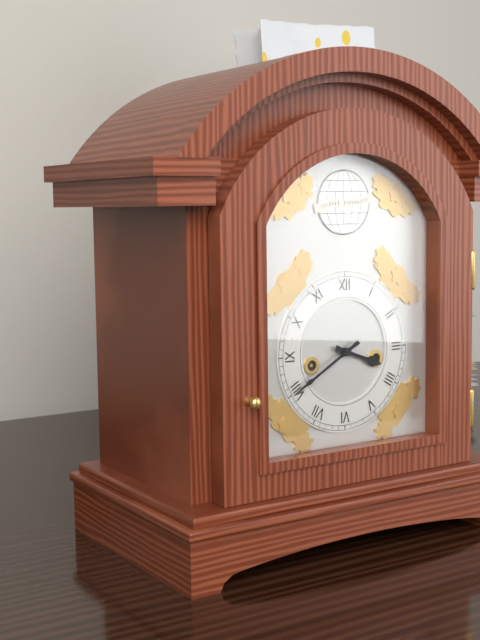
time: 3:40
